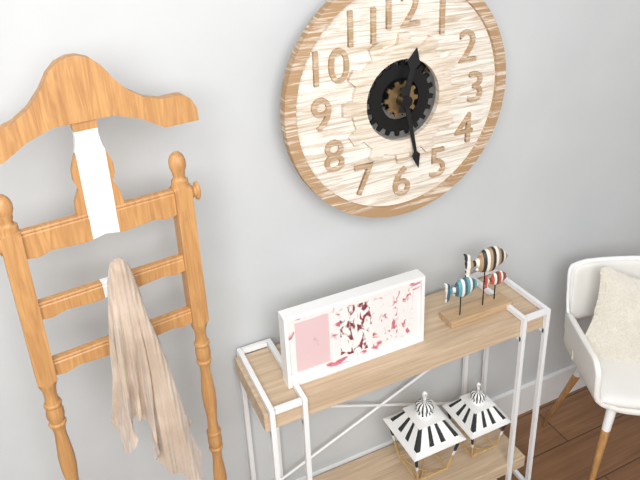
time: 12:28
